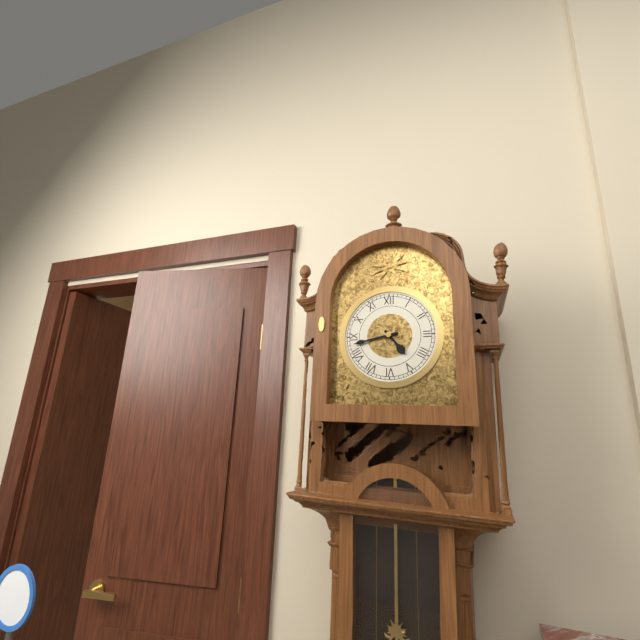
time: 4:43
